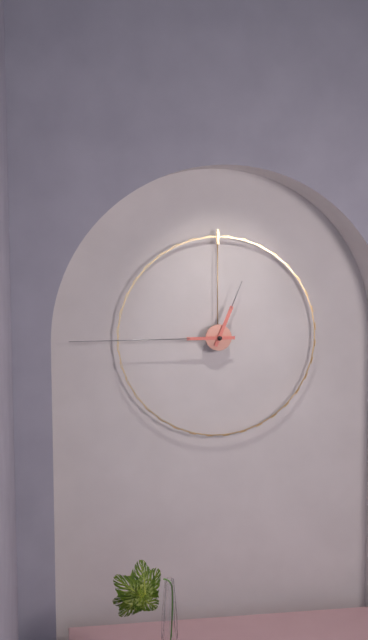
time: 12:45
